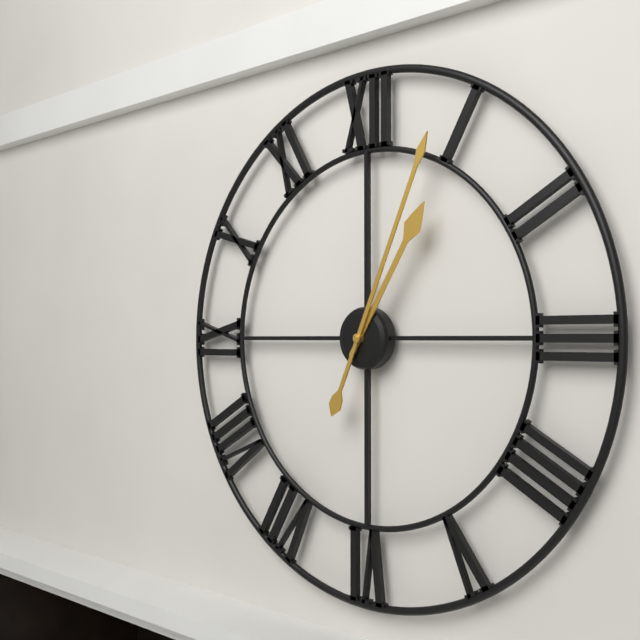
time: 1:04
